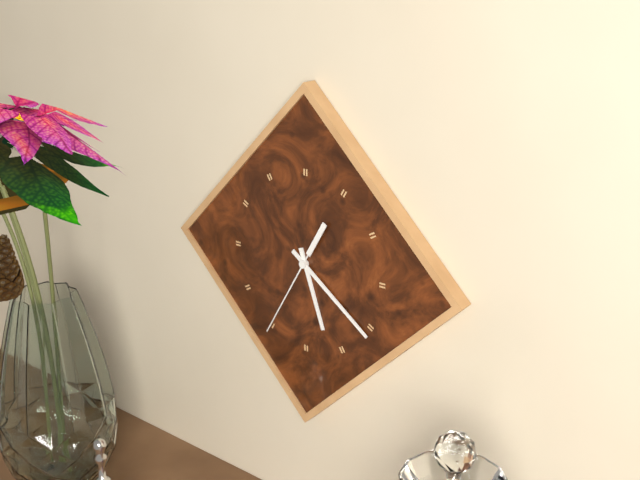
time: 5:21:35
